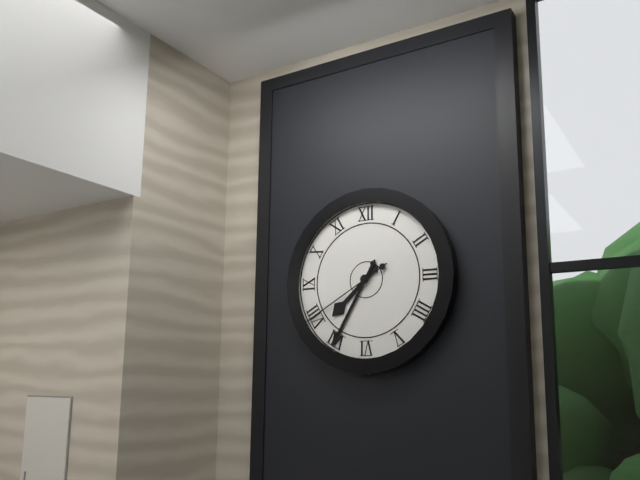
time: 7:35:40
